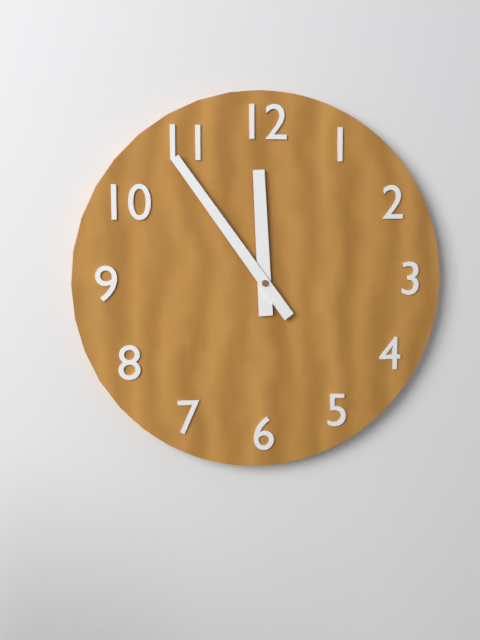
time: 11:54
